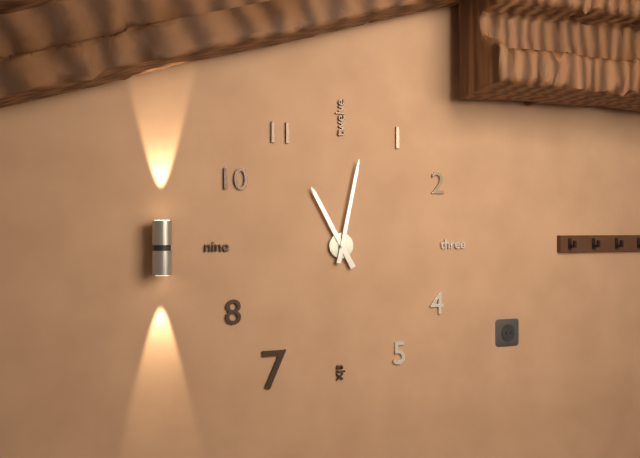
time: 11:02
